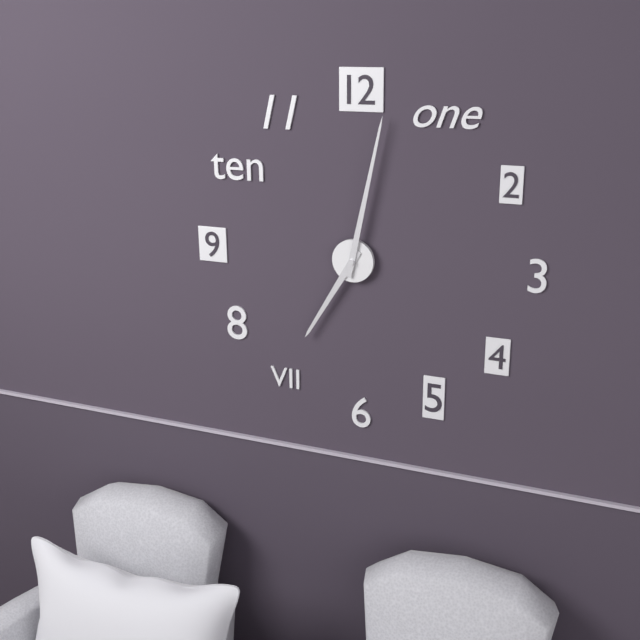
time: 7:02
